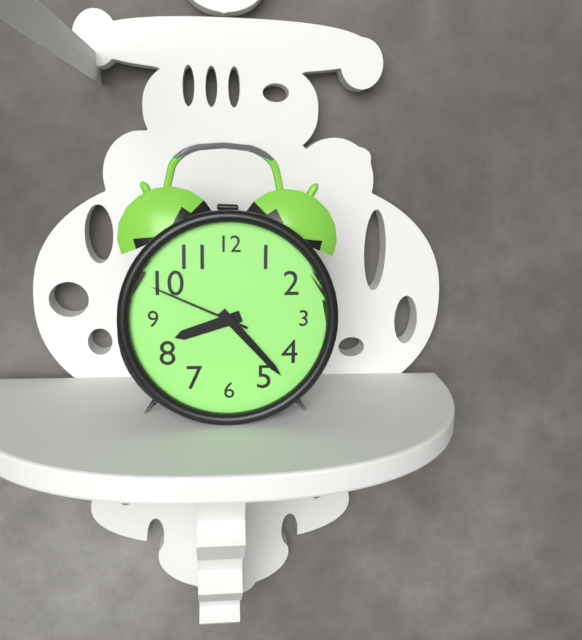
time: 8:23:49
